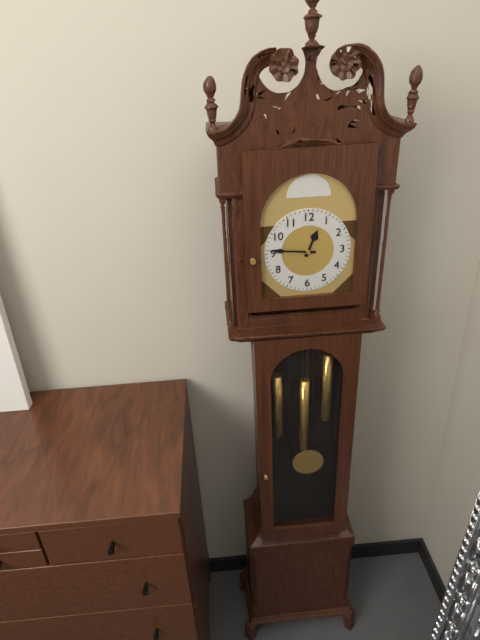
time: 12:46
